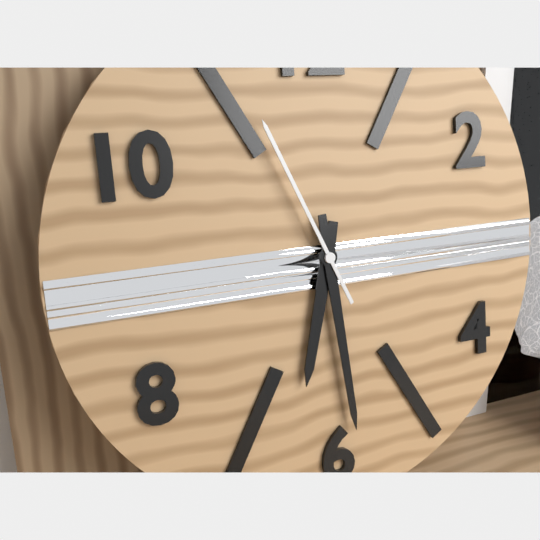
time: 6:29:56
